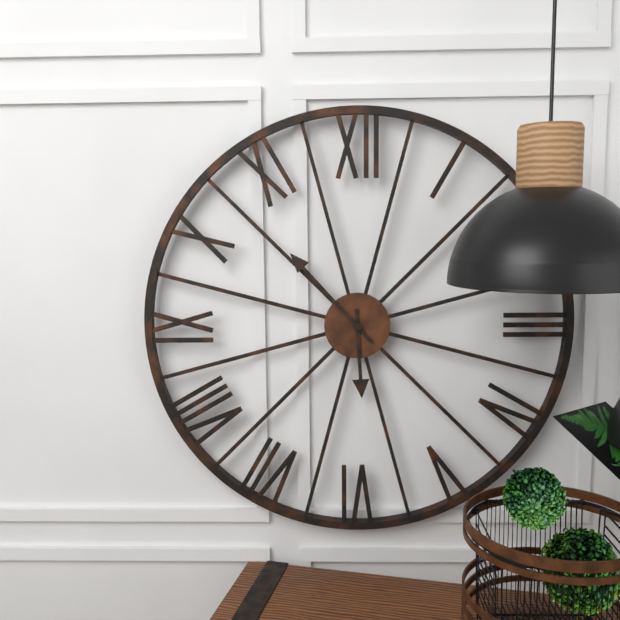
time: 5:53
